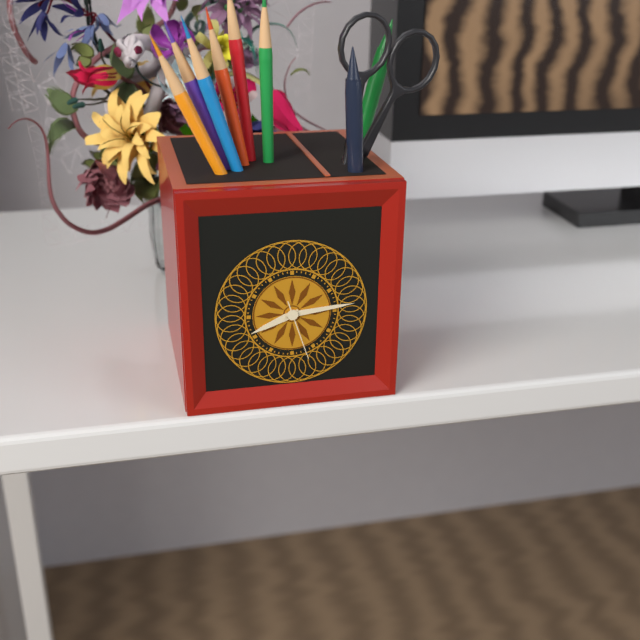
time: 8:14:27
